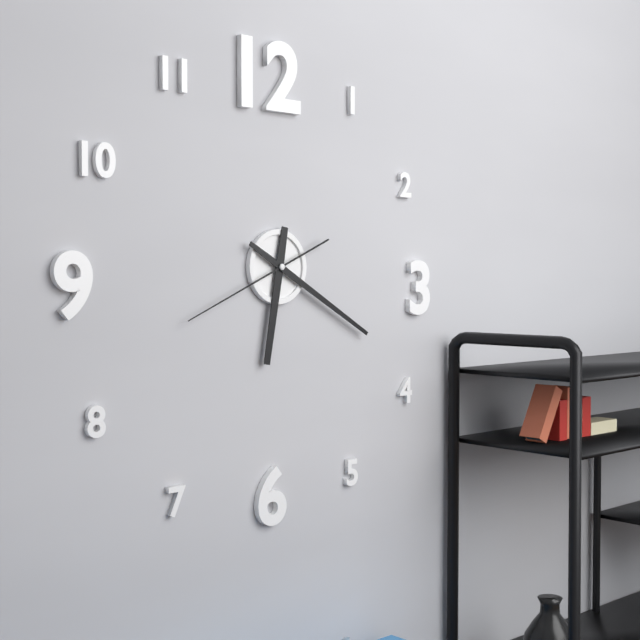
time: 6:20:41
